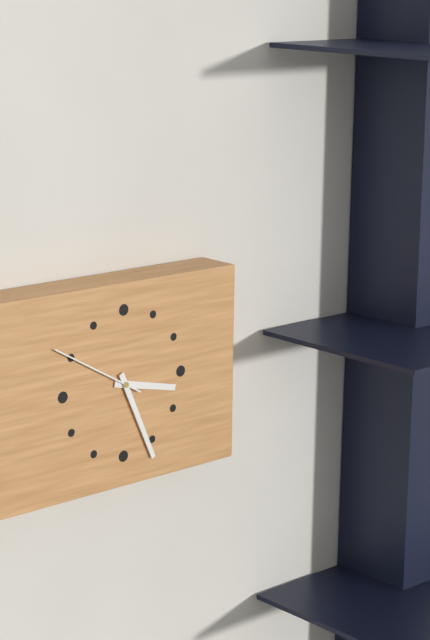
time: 3:26:50
